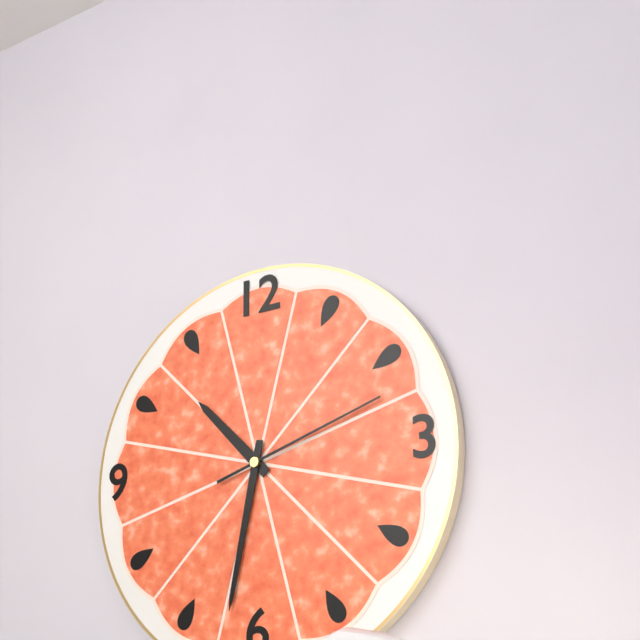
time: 10:32:12
